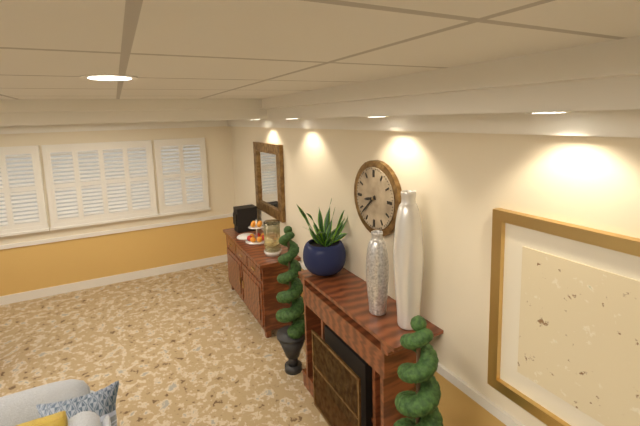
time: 8:38
